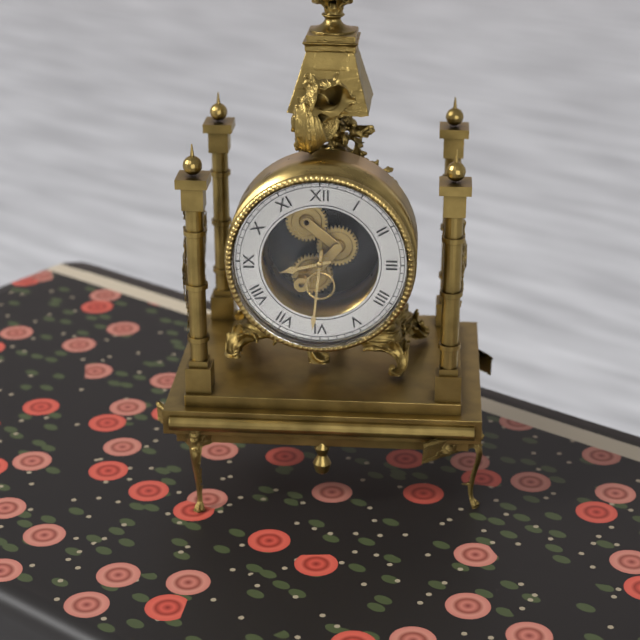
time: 8:31
